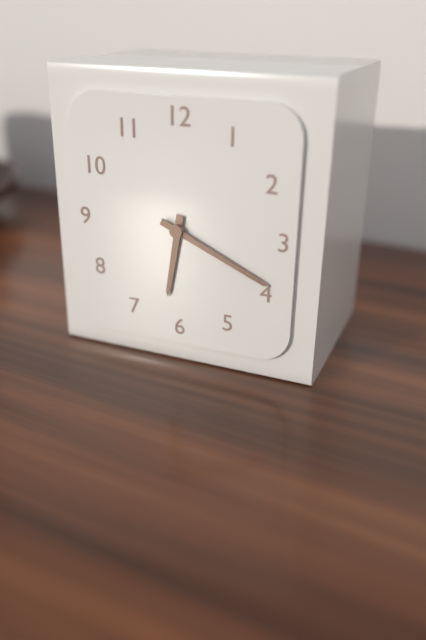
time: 6:19
